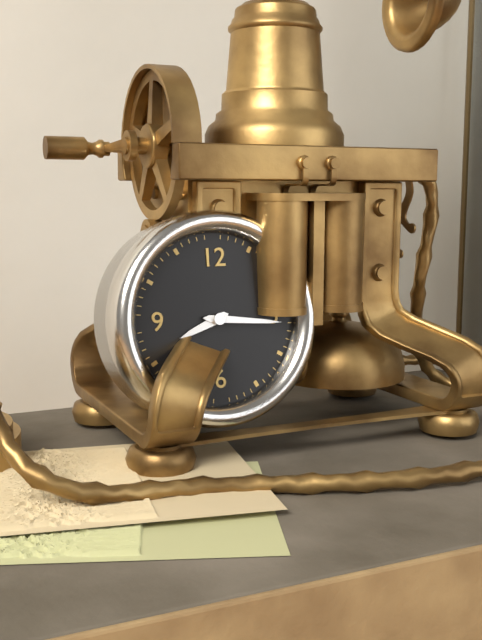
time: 8:16
